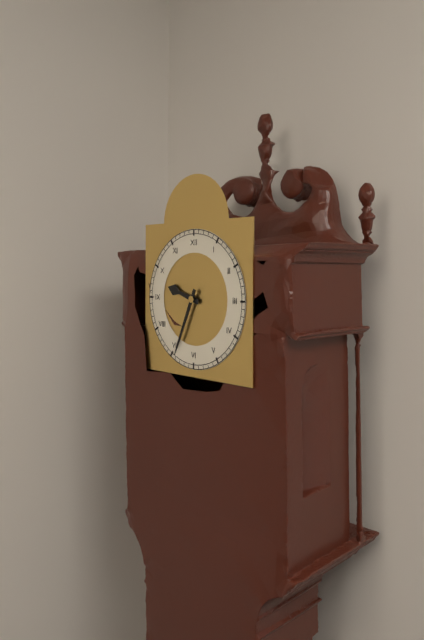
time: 9:34
